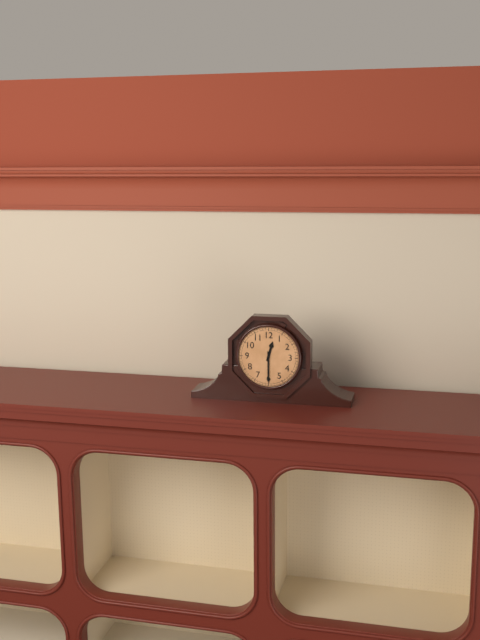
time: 12:30
